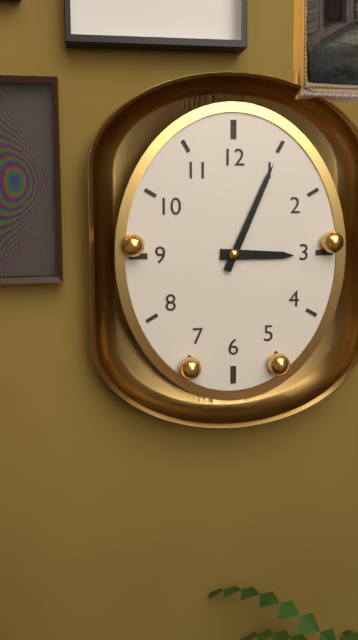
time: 3:04
